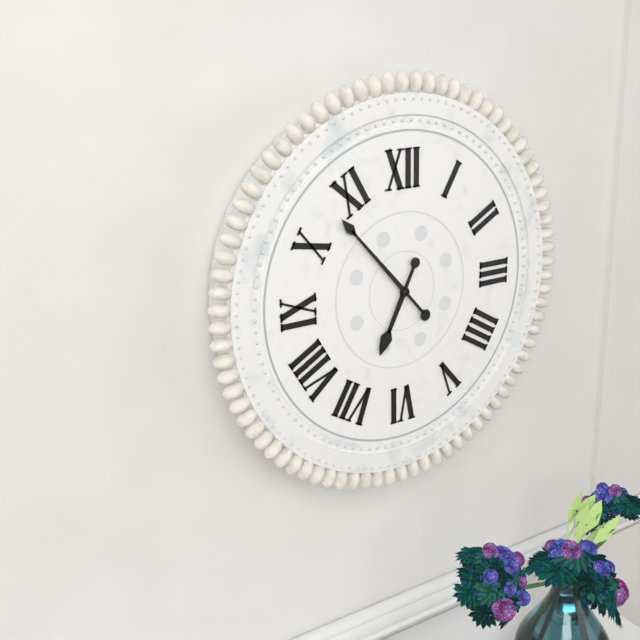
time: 6:53
